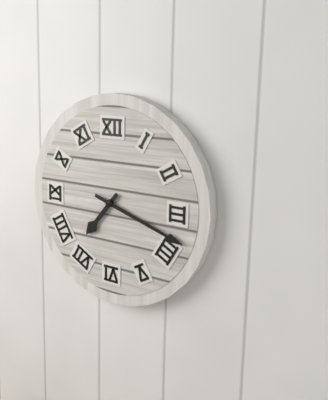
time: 7:18
